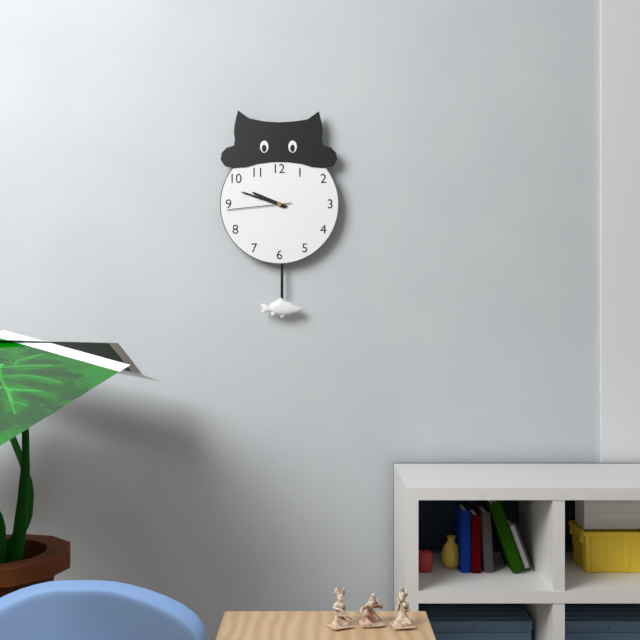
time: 9:48:44
